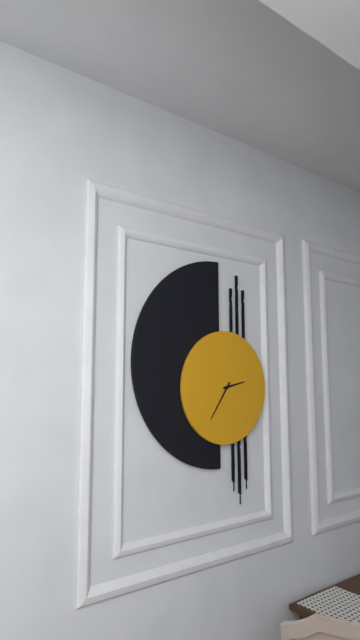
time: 2:36
